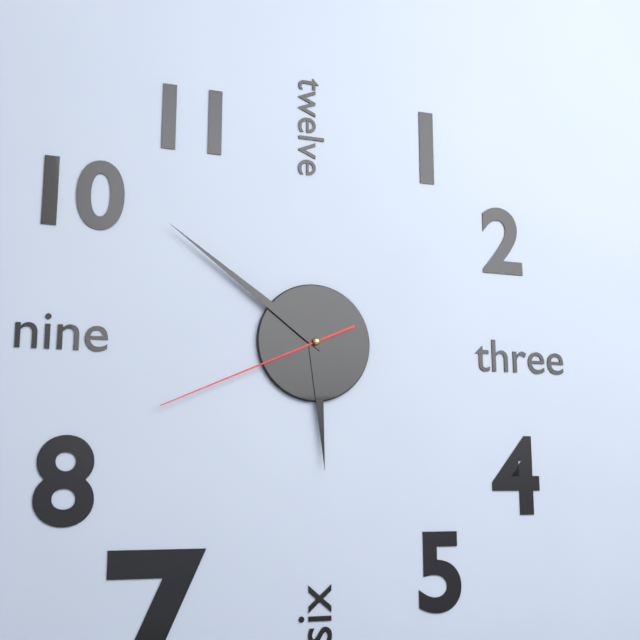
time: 5:51:41
